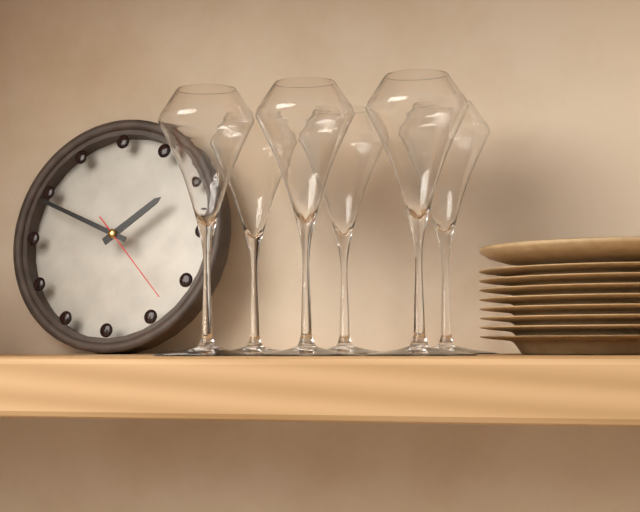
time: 1:49:23
